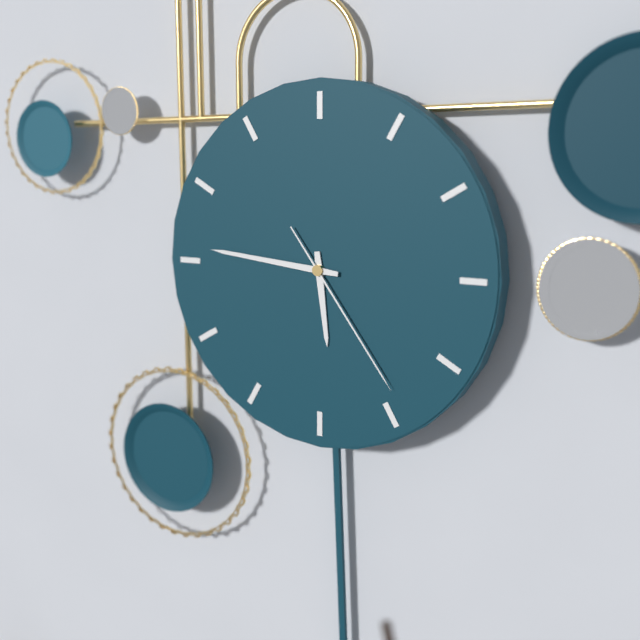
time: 5:46:24
